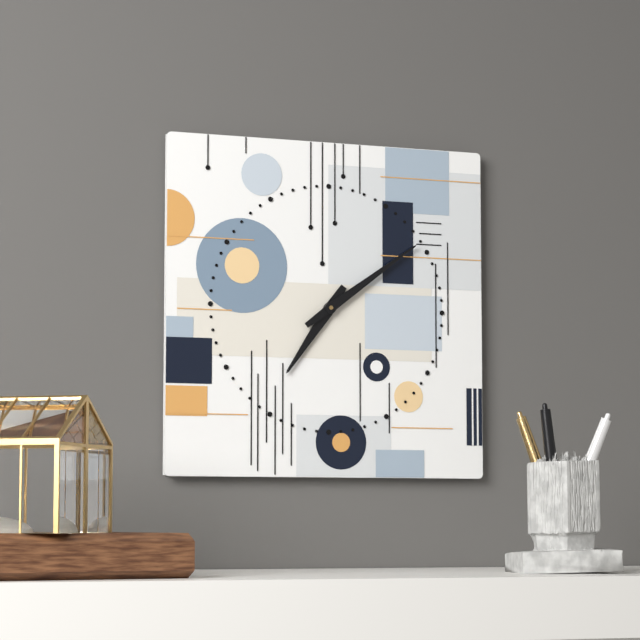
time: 7:09
